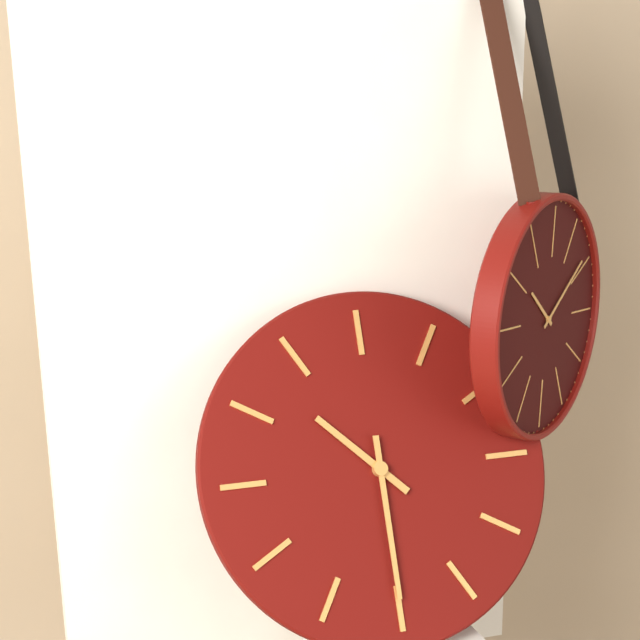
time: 10:30
